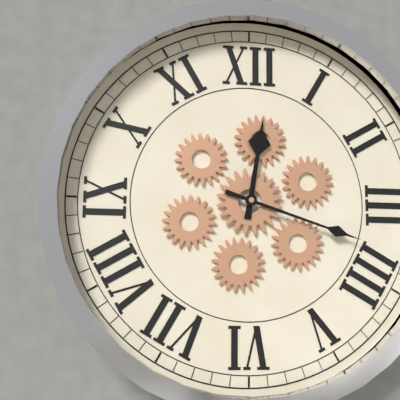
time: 12:18
